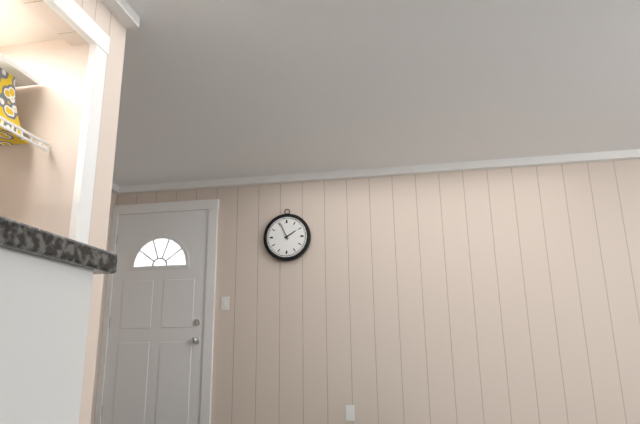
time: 1:56
